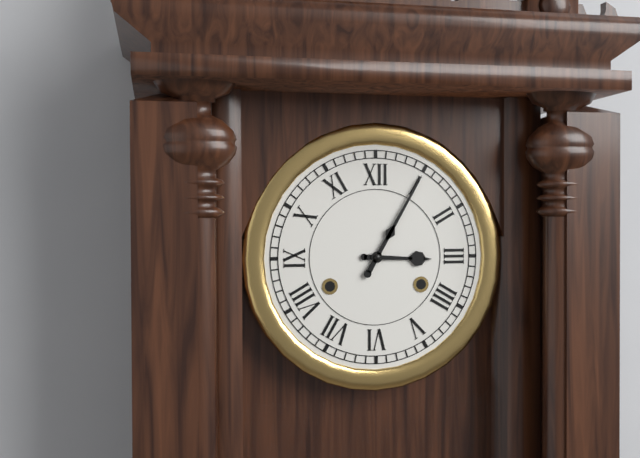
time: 3:05
